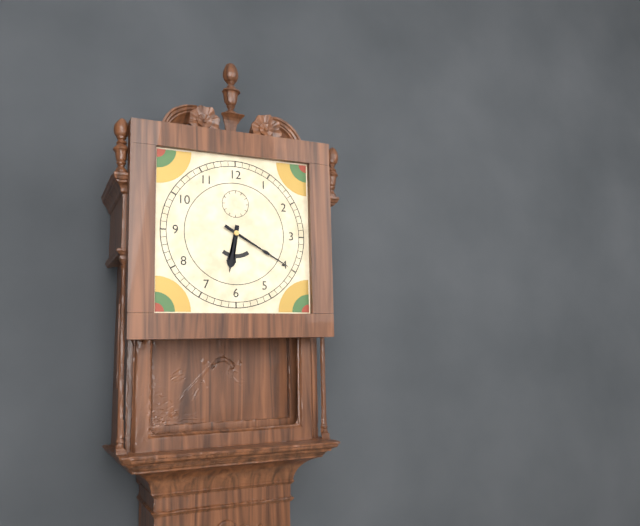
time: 6:20
